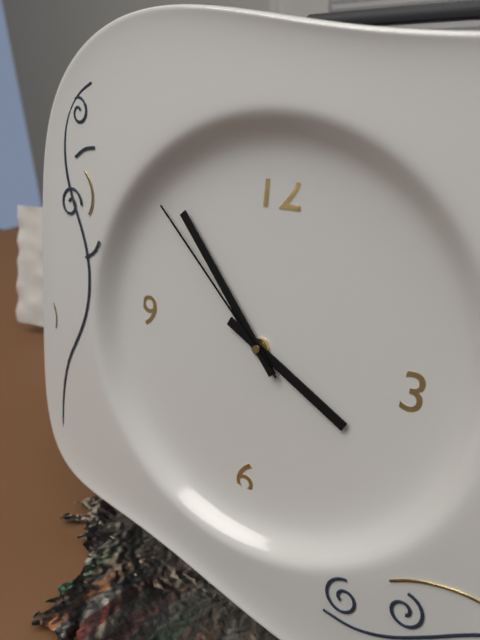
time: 3:53:52
